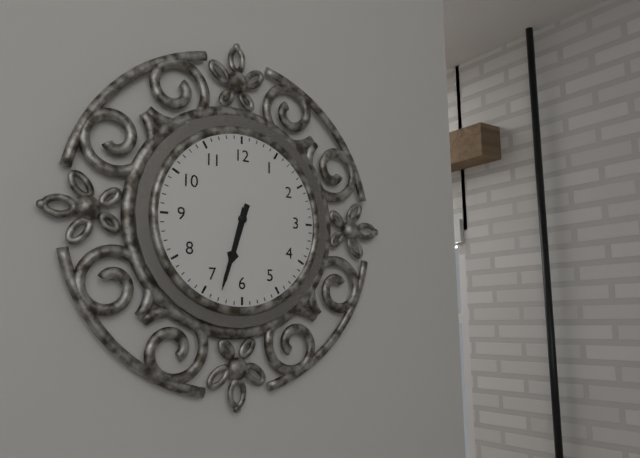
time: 6:33
